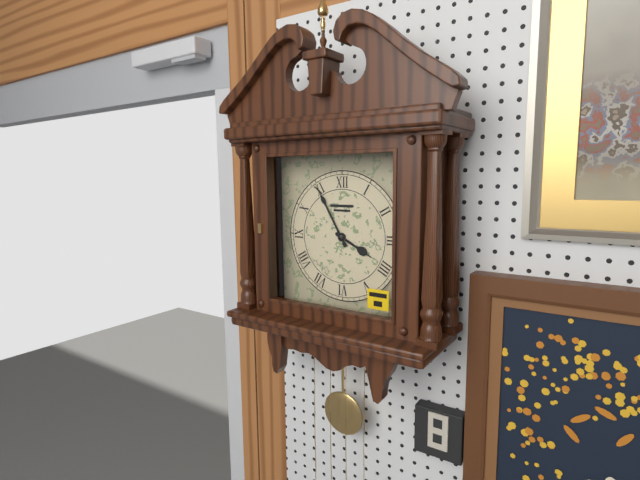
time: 3:55
